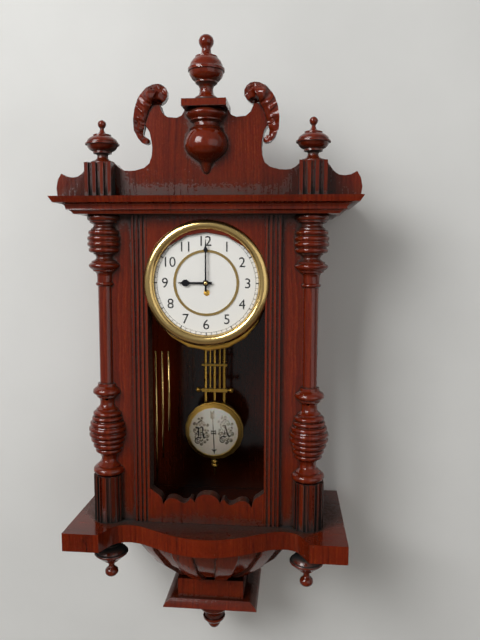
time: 9:00
